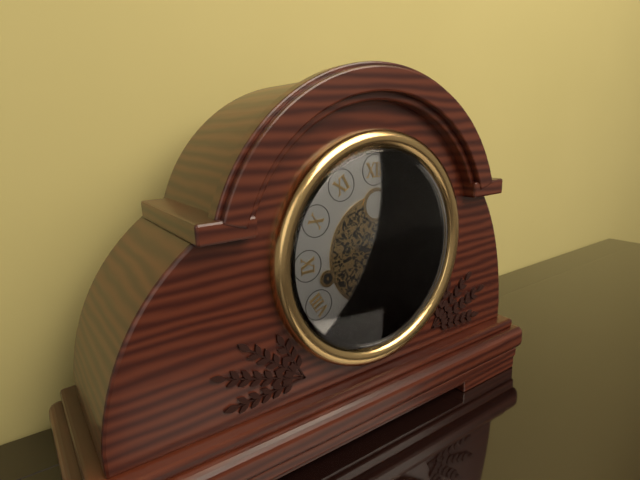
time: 1:18
